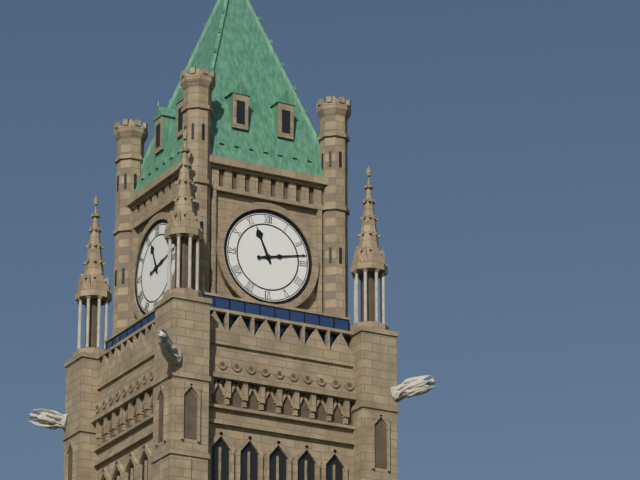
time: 11:13
